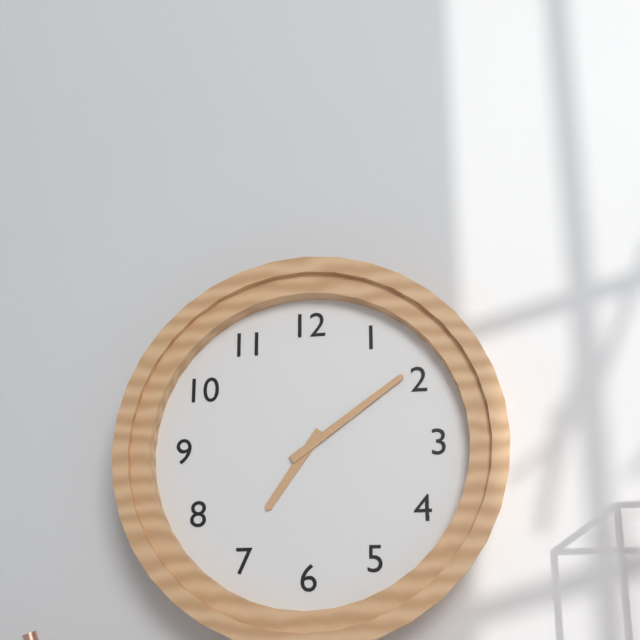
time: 7:09
